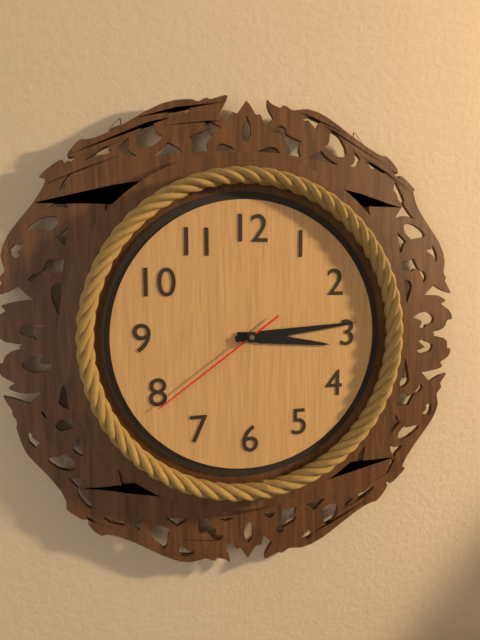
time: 3:14:39
